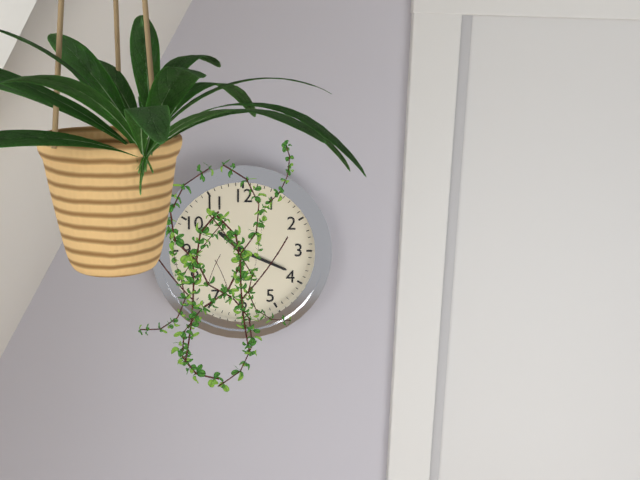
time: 10:19
